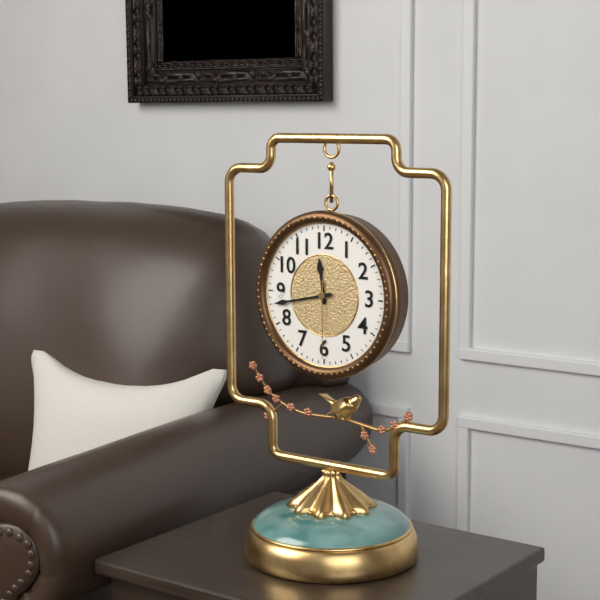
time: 11:43:30
